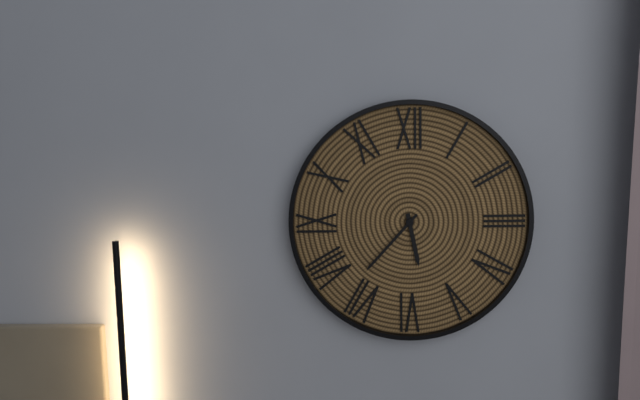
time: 5:37
